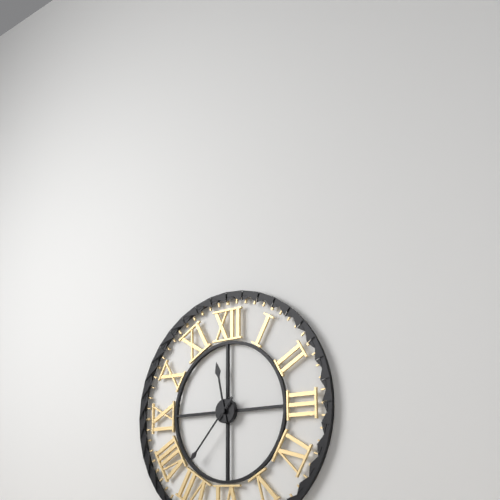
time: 11:37
